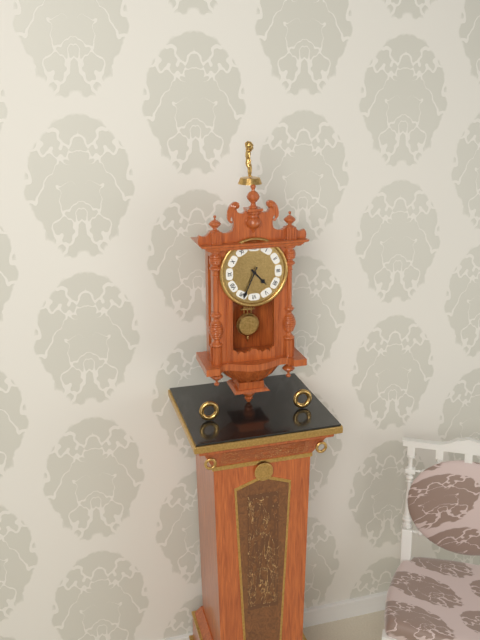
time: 4:34
